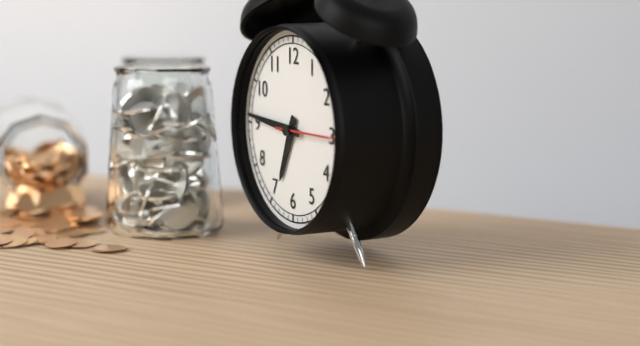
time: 6:46:15
